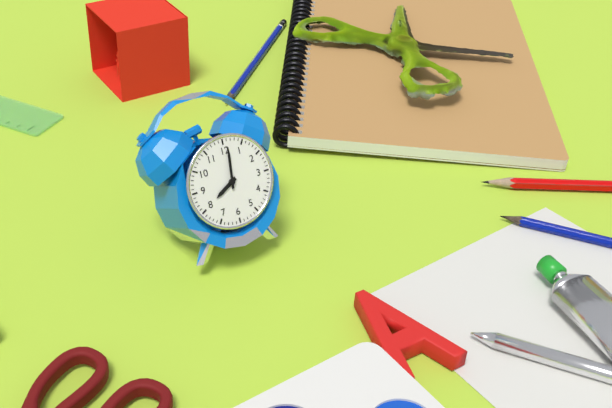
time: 8:01
